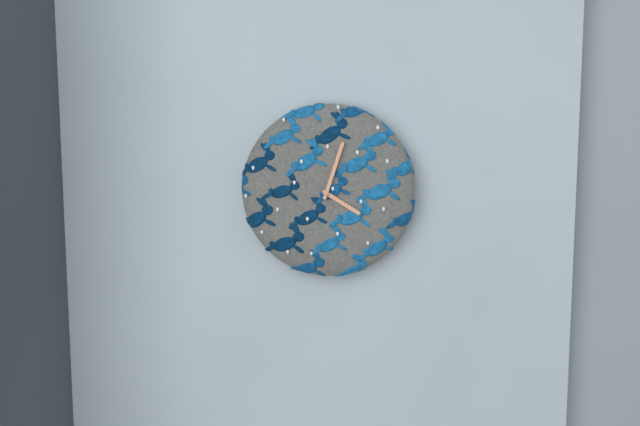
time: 4:03
